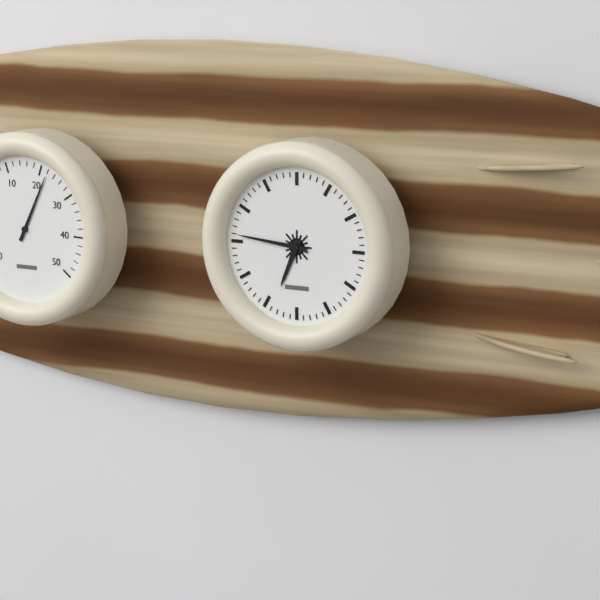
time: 6:46
